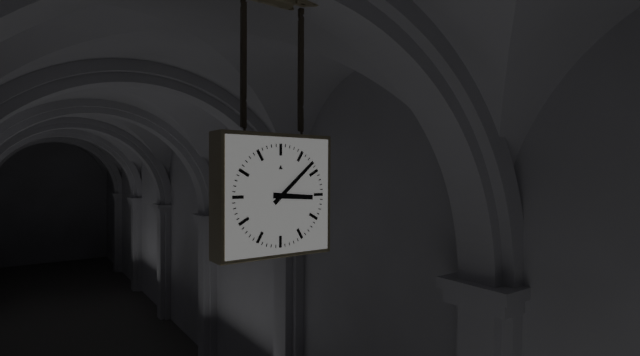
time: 3:08
